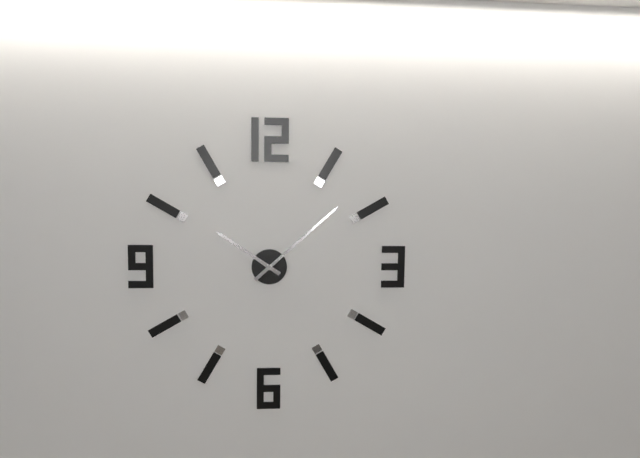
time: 10:08
